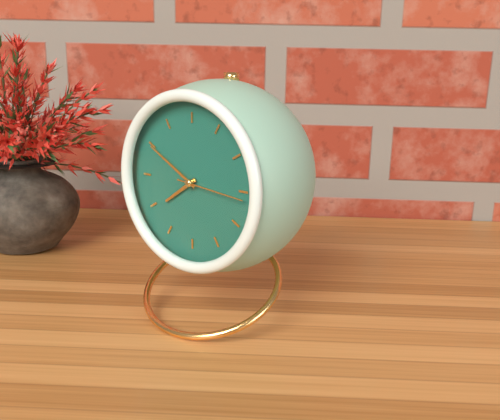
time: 7:50:16
